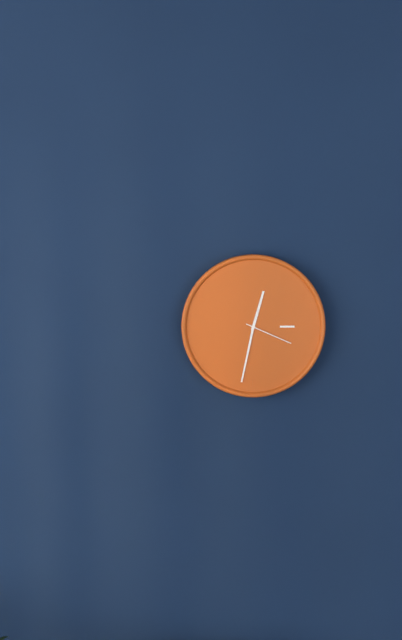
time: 12:32:19
